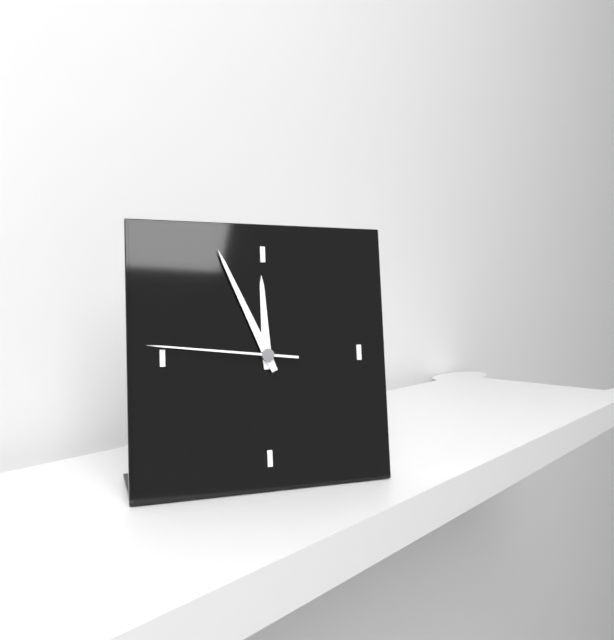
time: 11:56:46
